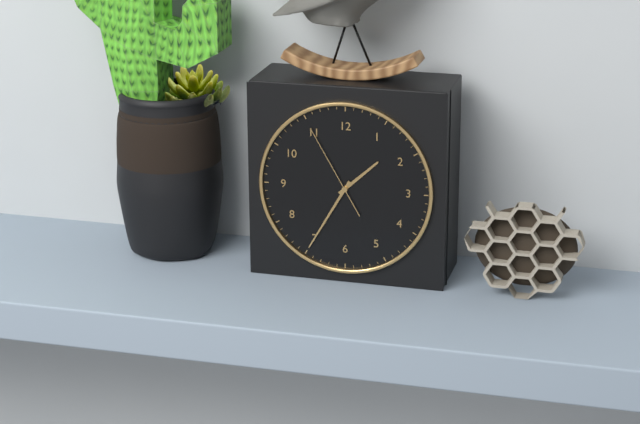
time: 1:35:55
